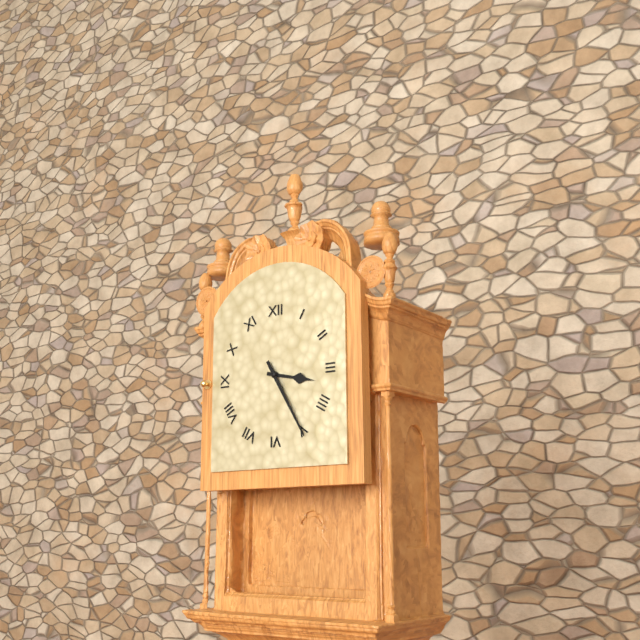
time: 3:25
